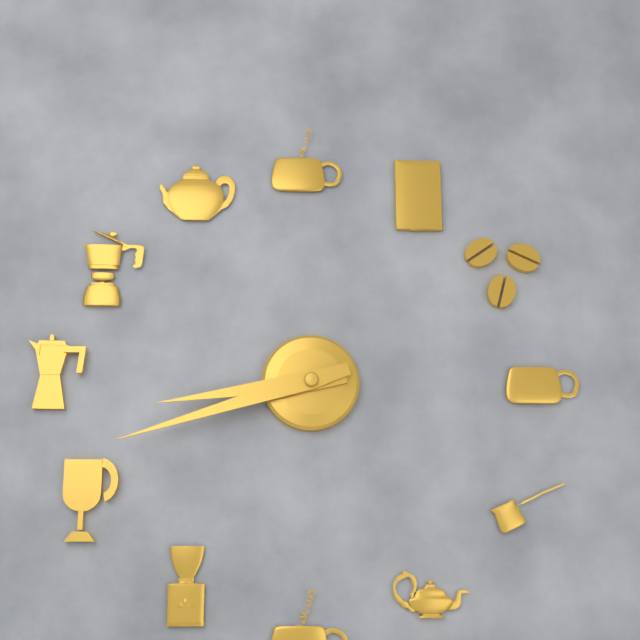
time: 8:42
